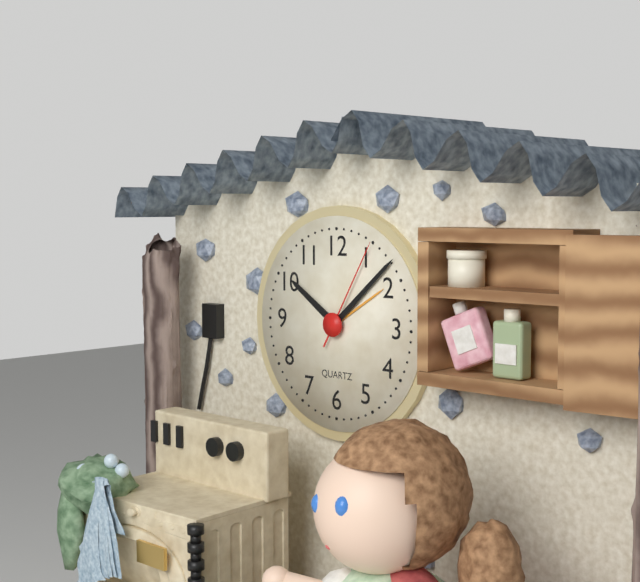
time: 10:08:05
